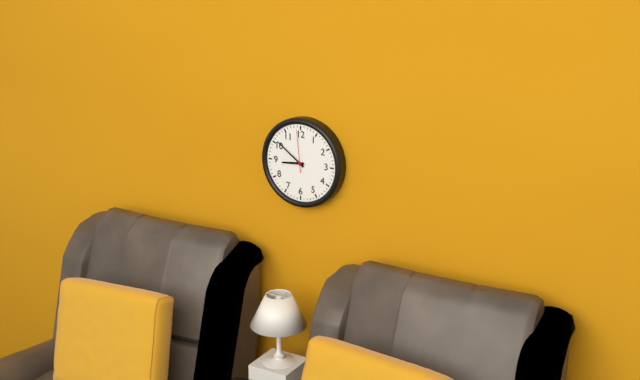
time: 8:51
